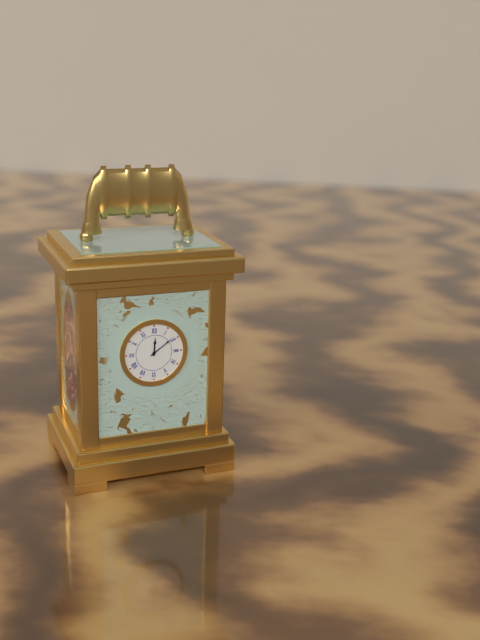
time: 12:09
